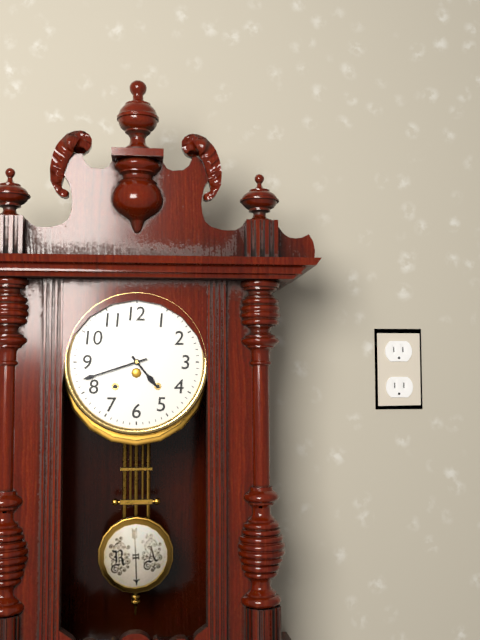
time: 4:42
